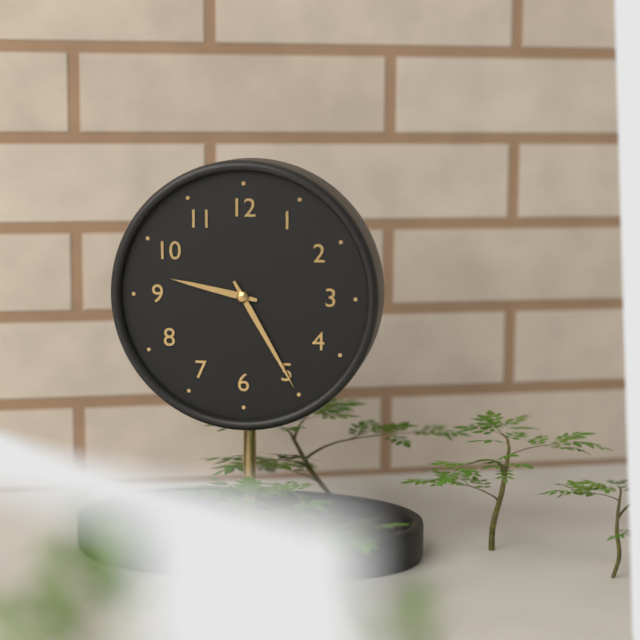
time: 9:25
